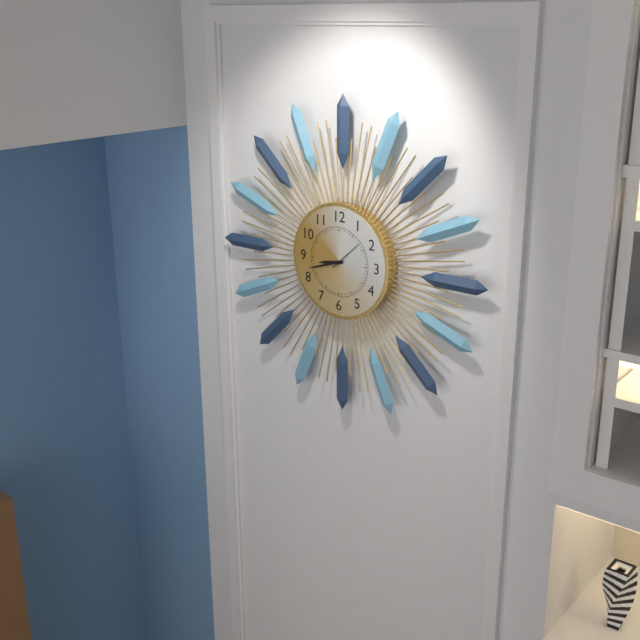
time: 8:42
